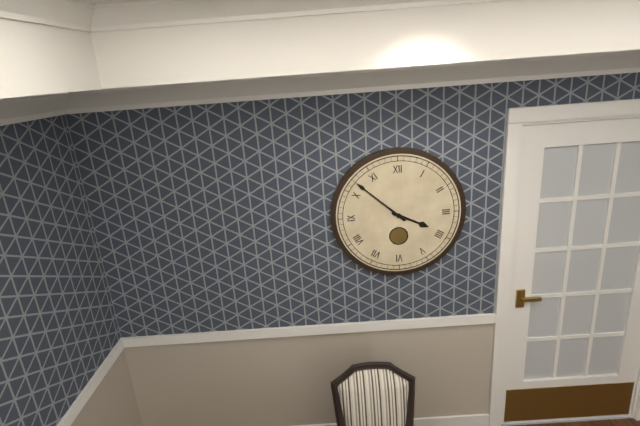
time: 3:52
